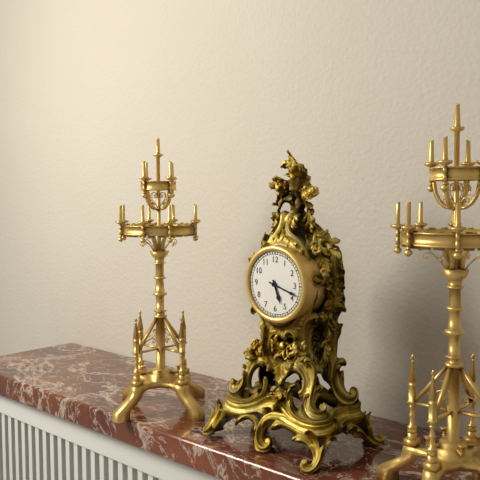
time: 5:18
